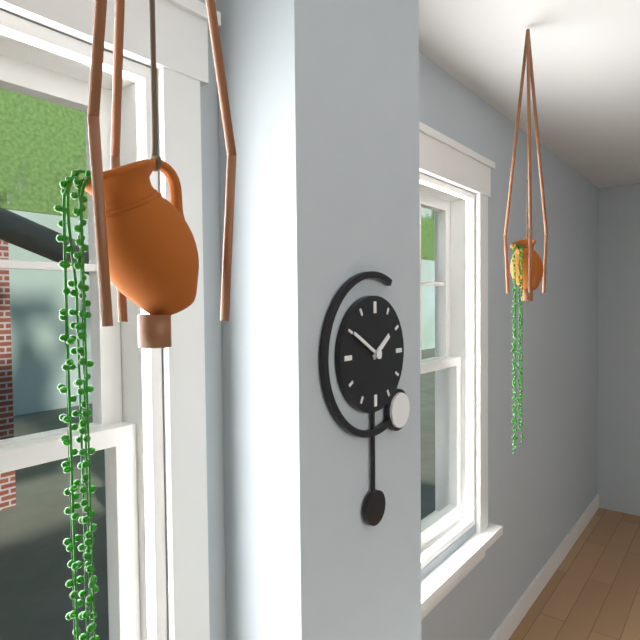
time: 1:50
